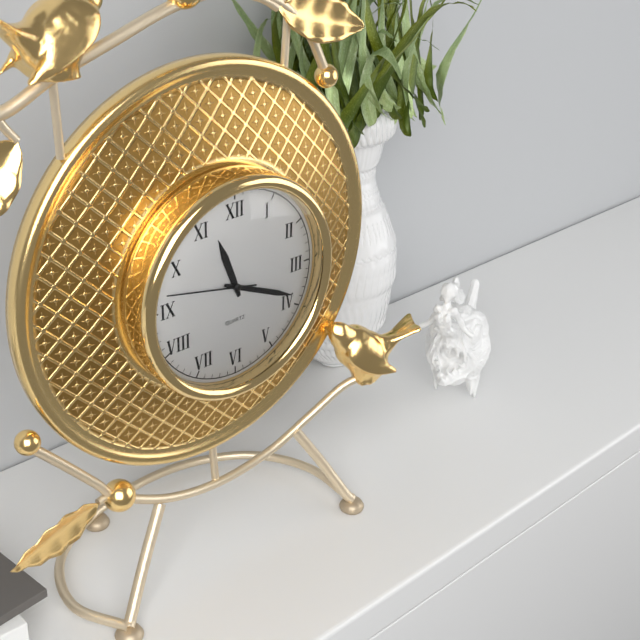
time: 11:19:47
